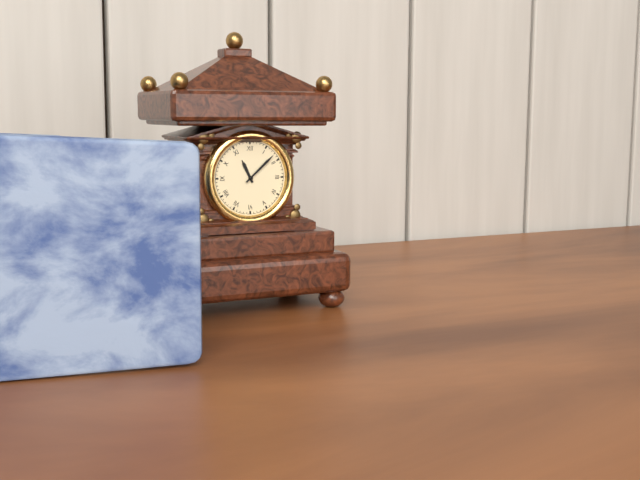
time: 11:08
